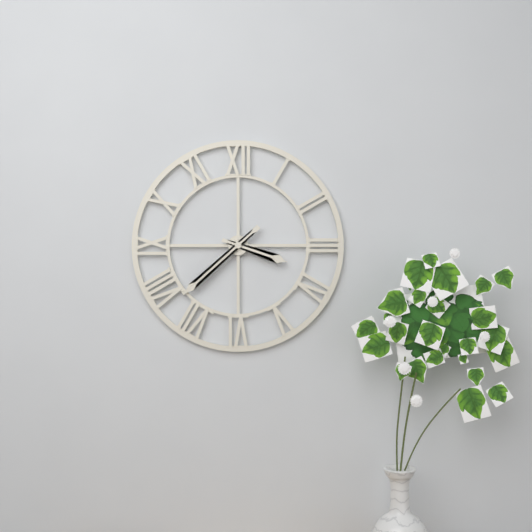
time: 3:38
